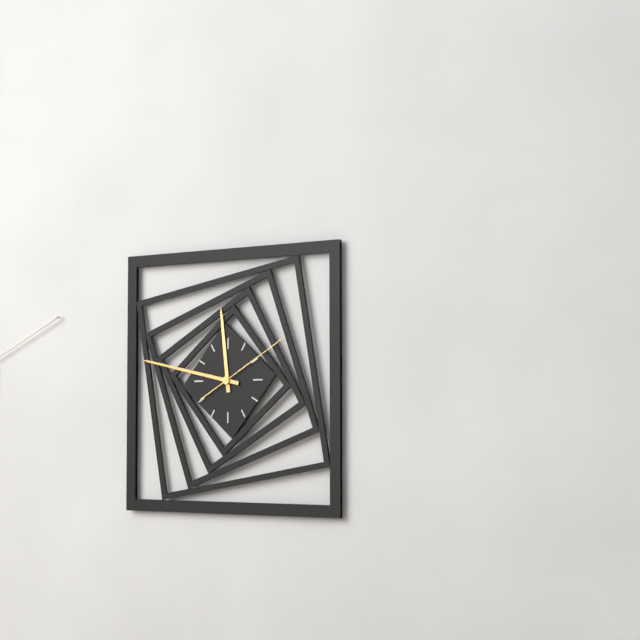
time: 11:47:10
